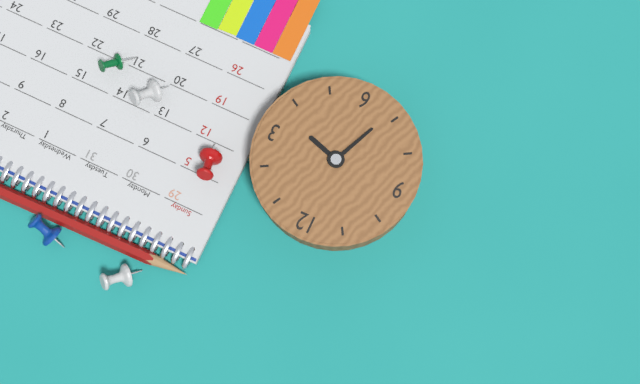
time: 3:34
